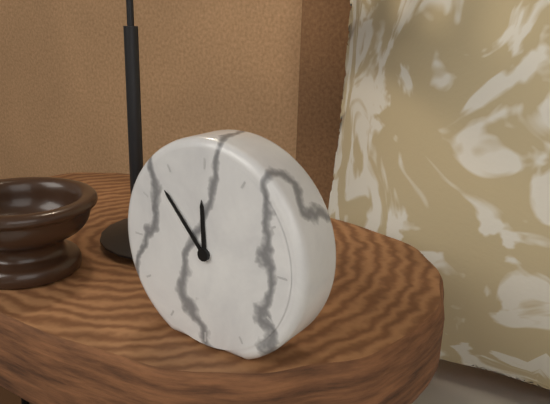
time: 11:53
